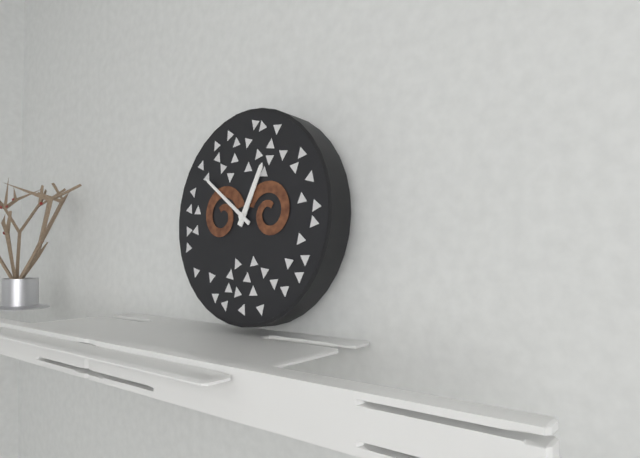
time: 12:51
